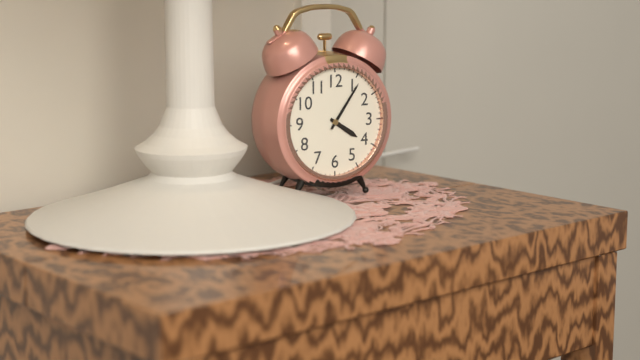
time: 4:06
